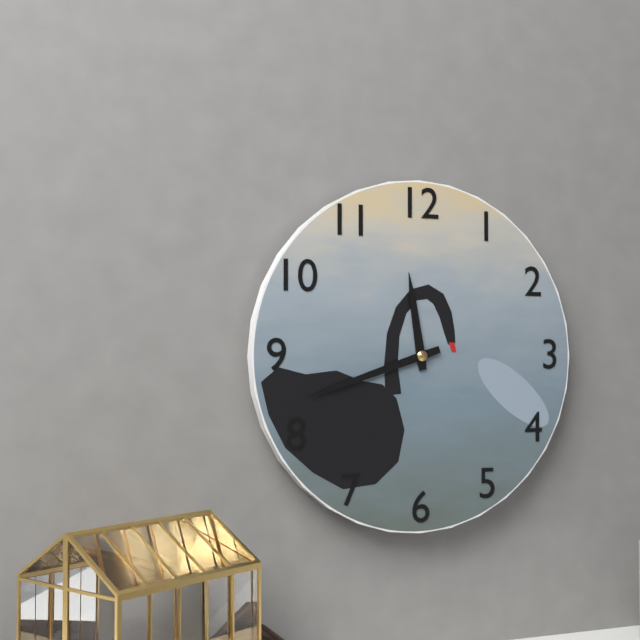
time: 11:42
